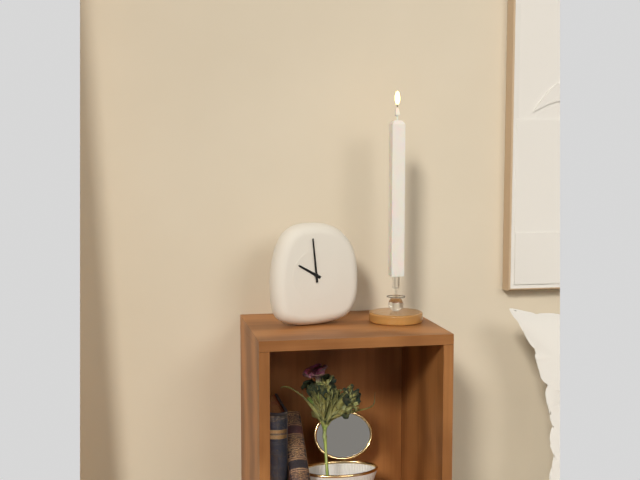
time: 9:59
